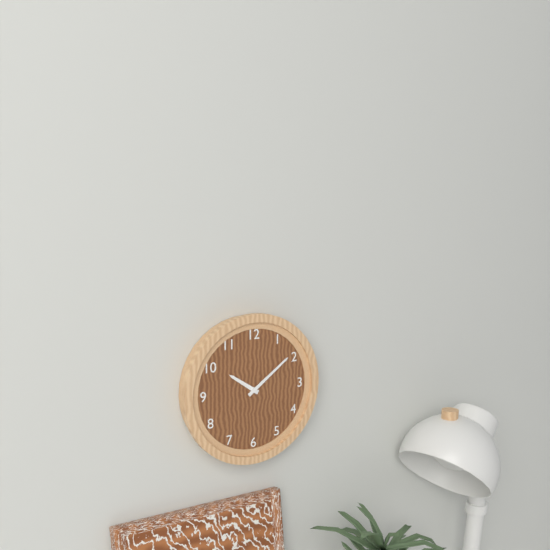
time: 10:09
